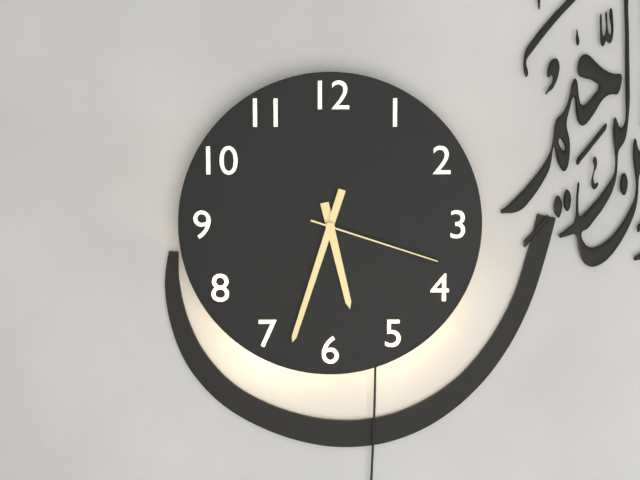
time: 5:33:18
